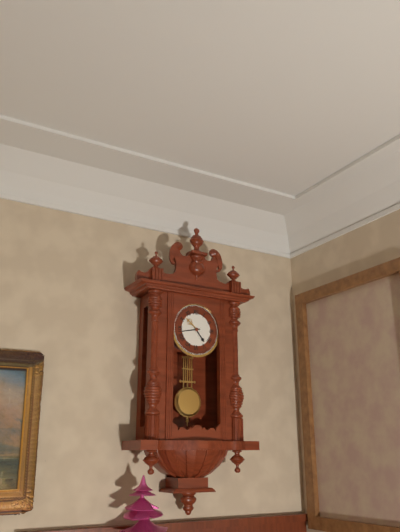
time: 4:43
